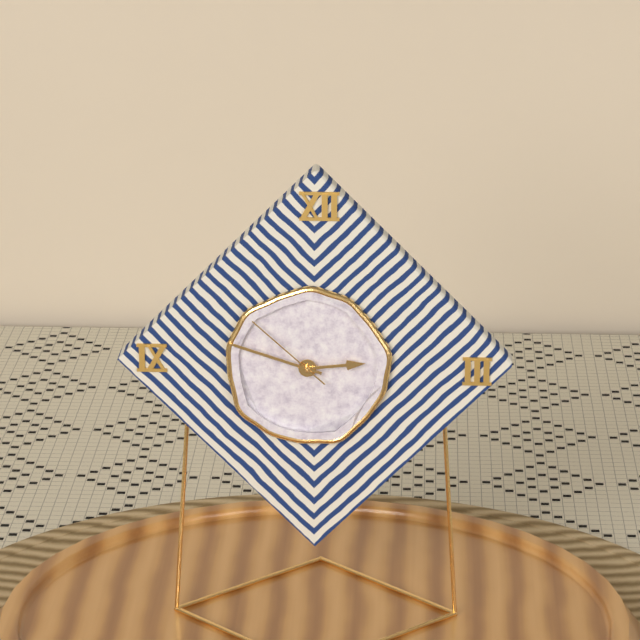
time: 2:48:52
